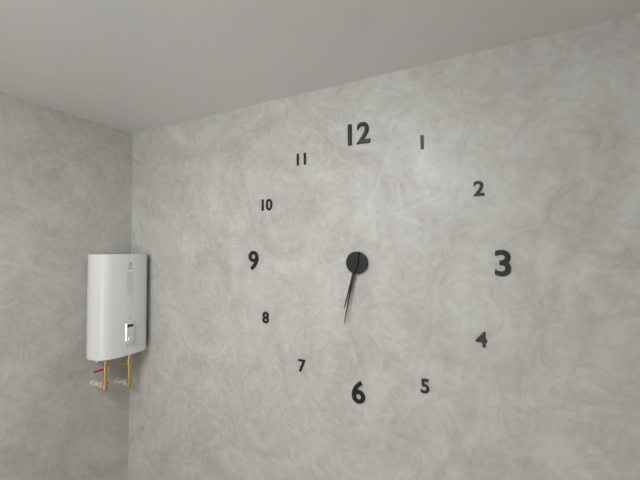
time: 6:32
